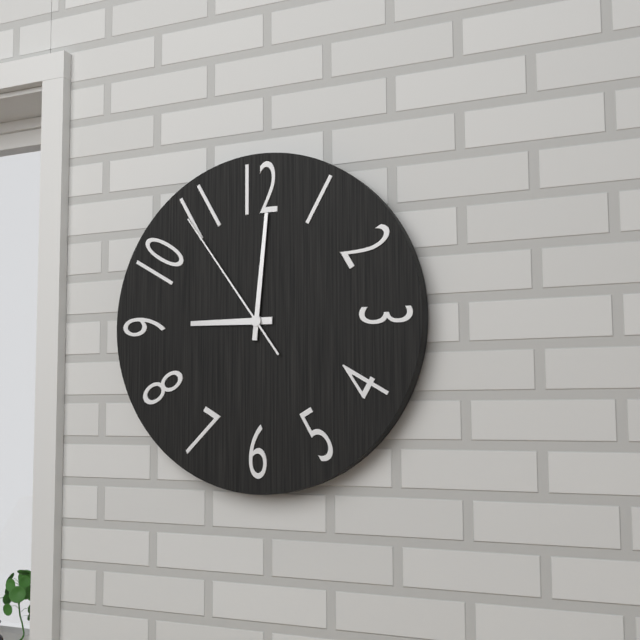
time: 9:01:54
